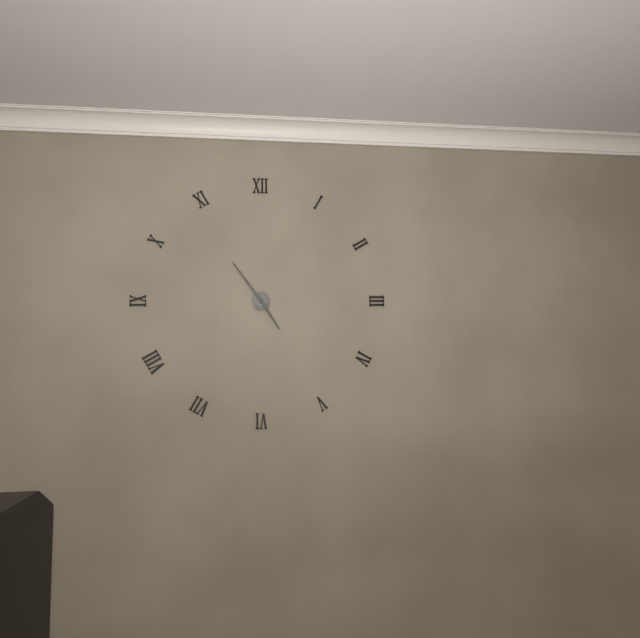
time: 4:54
